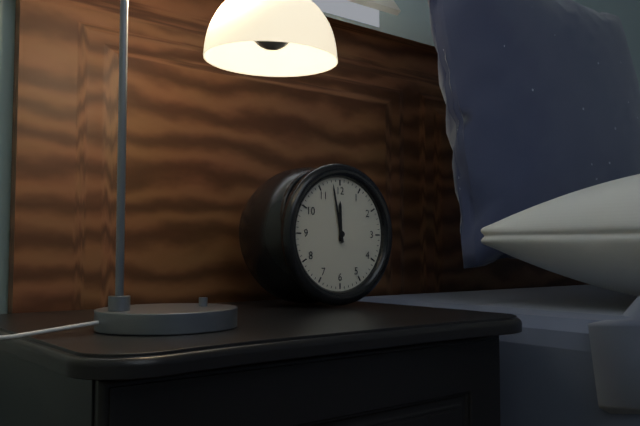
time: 11:58
